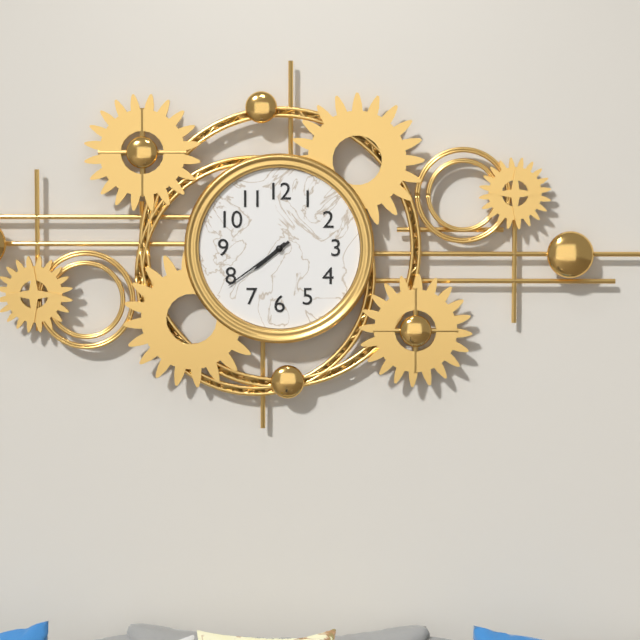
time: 7:39
